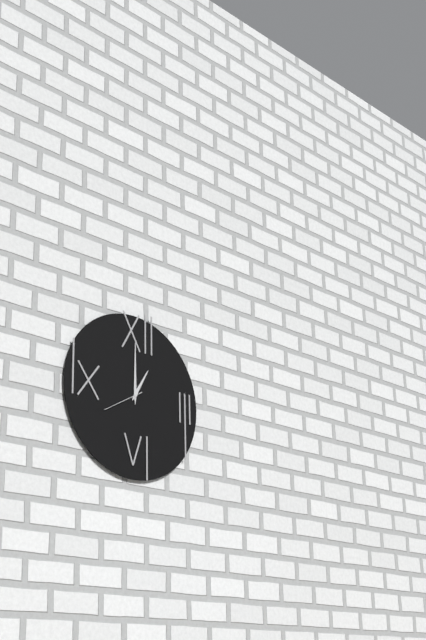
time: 1:00
